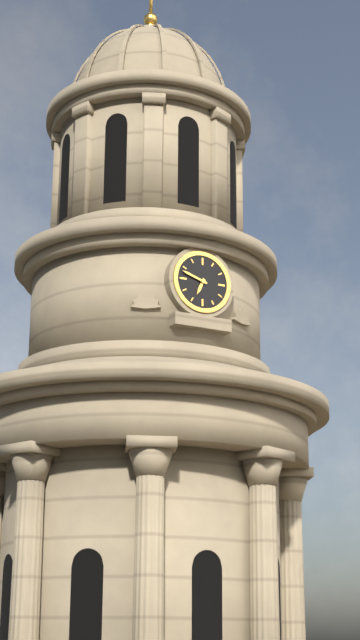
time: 6:48
